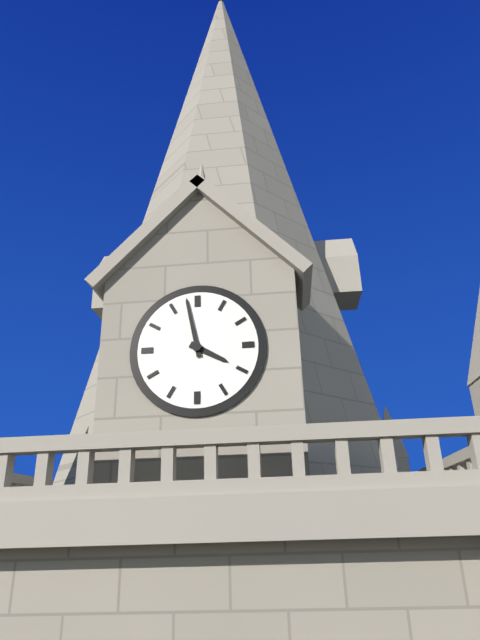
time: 3:58
